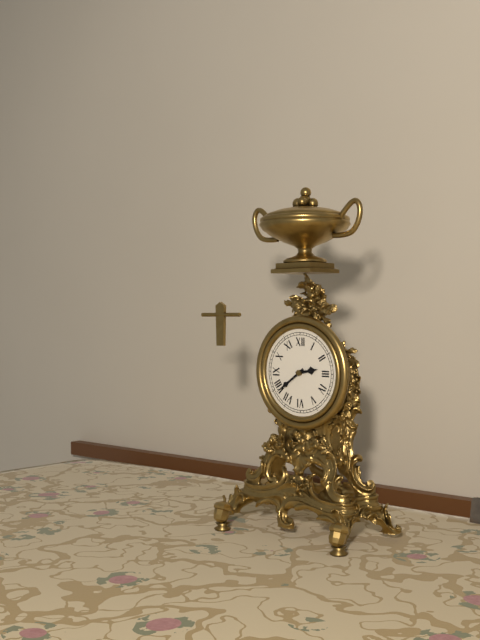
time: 2:39
